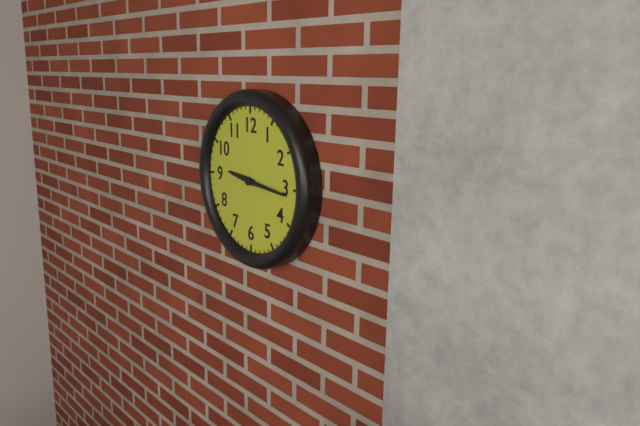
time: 9:16
